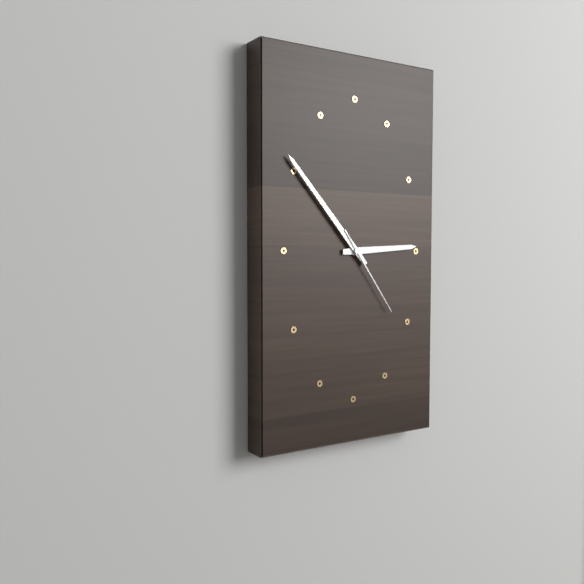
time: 2:53:24
